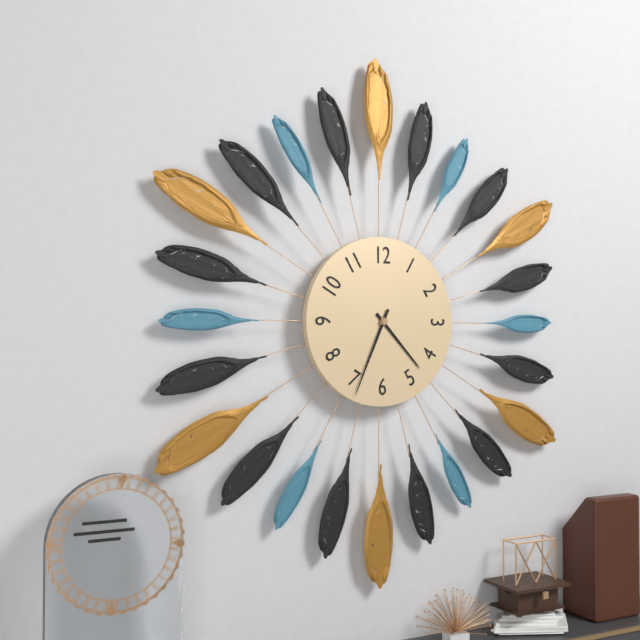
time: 4:34
